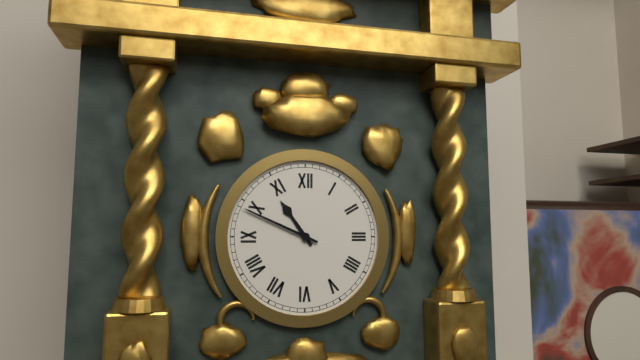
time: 10:49
